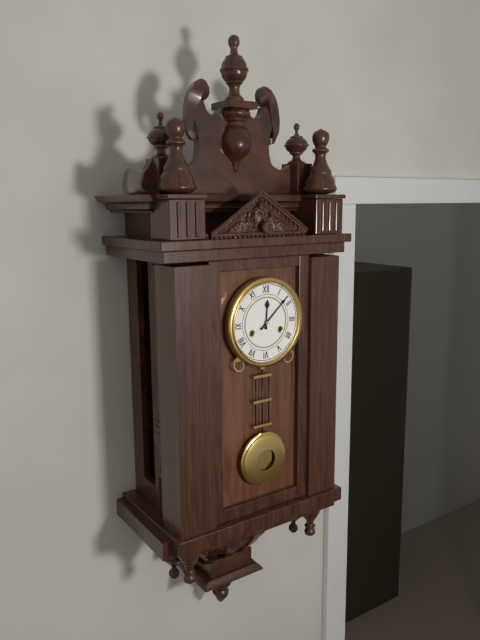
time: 12:08
